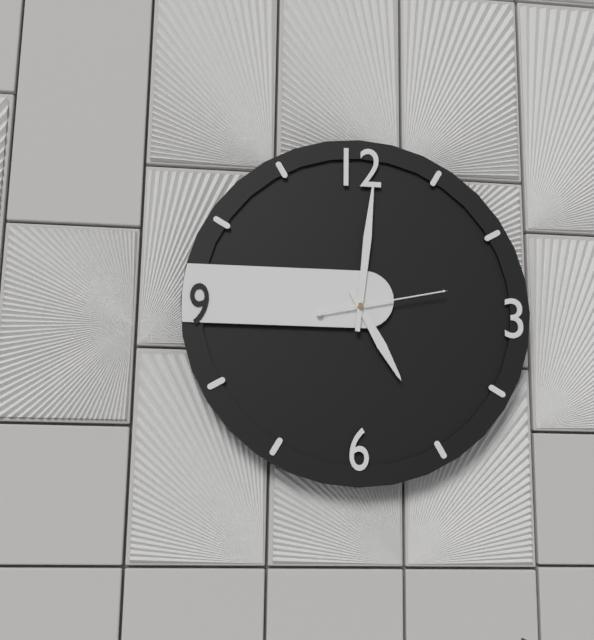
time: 5:01:13
